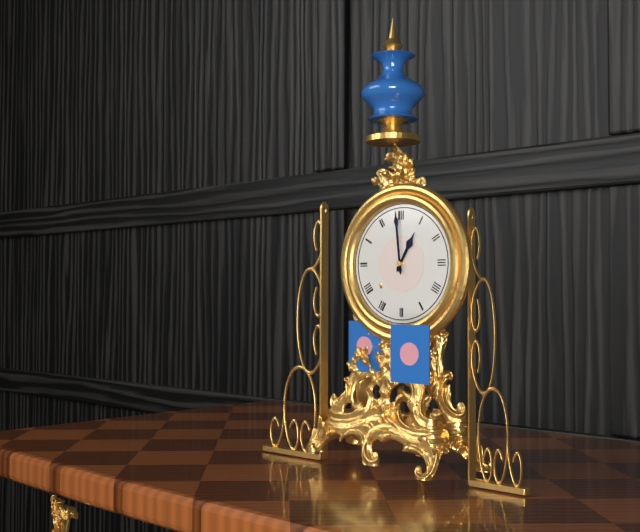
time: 12:59
